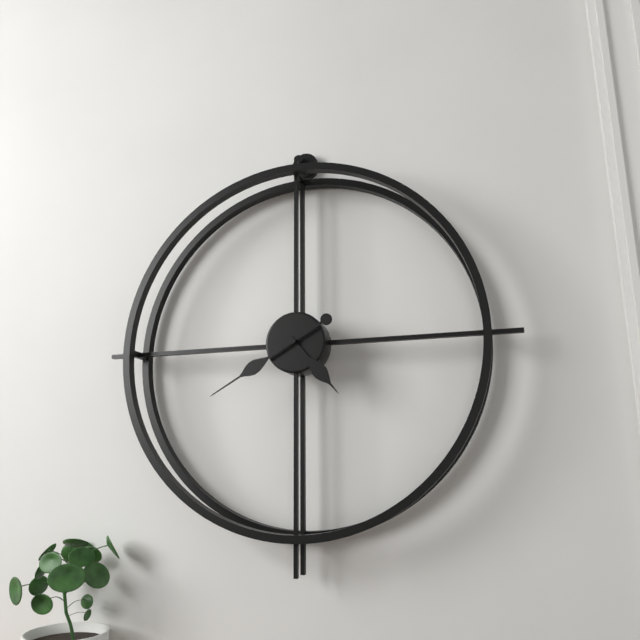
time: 4:40
